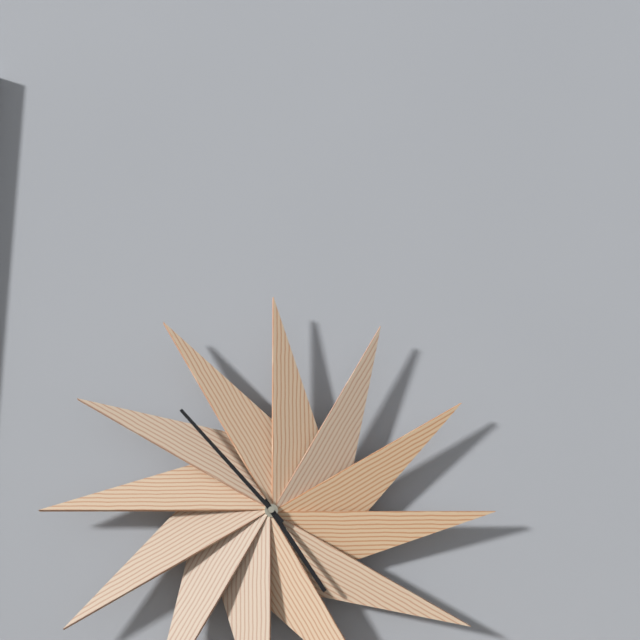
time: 4:53
